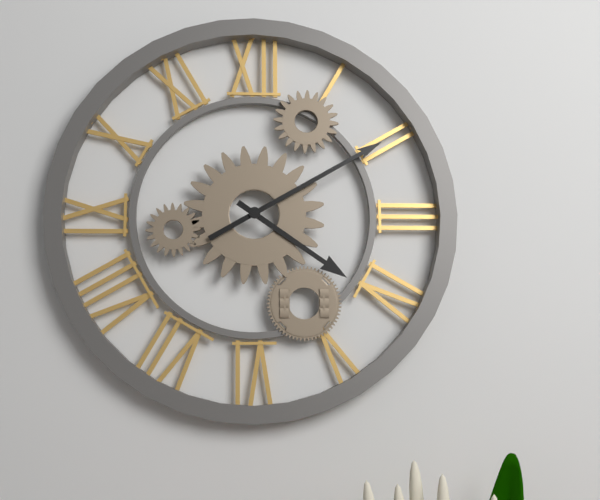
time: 4:10
